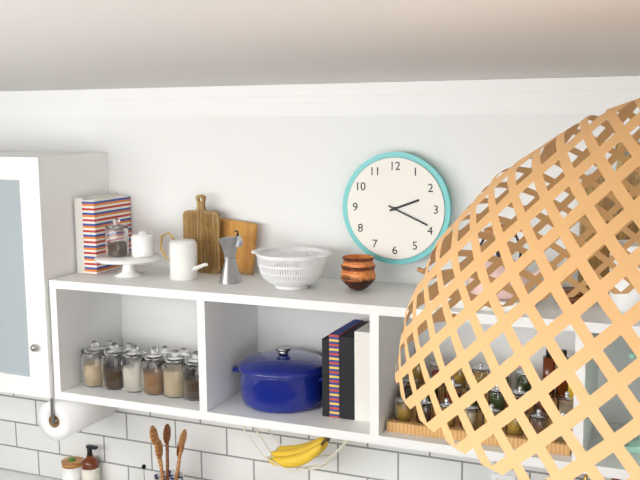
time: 2:19
